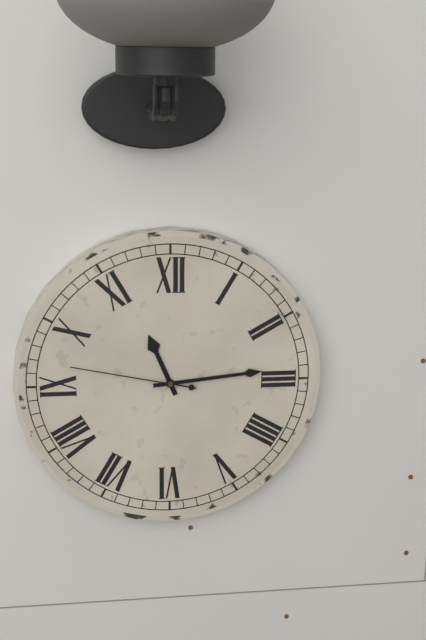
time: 11:14:47
